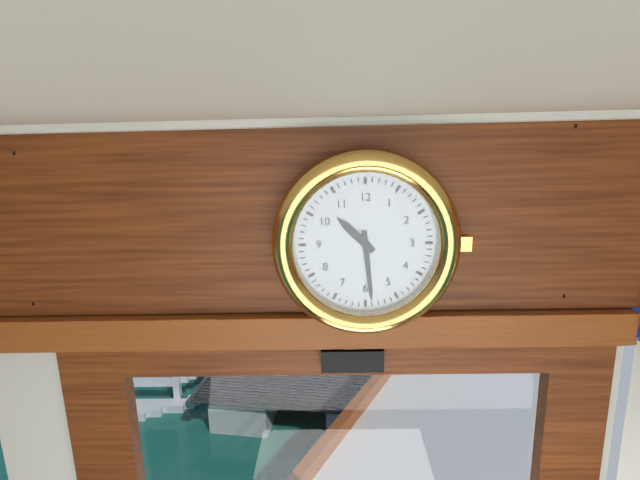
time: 10:29
